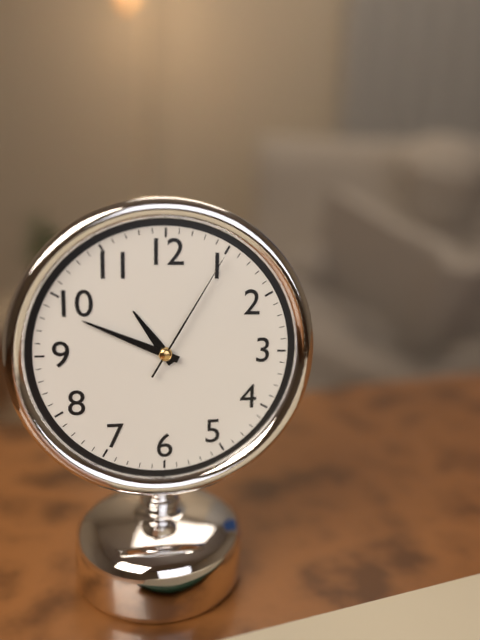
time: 10:49:05
